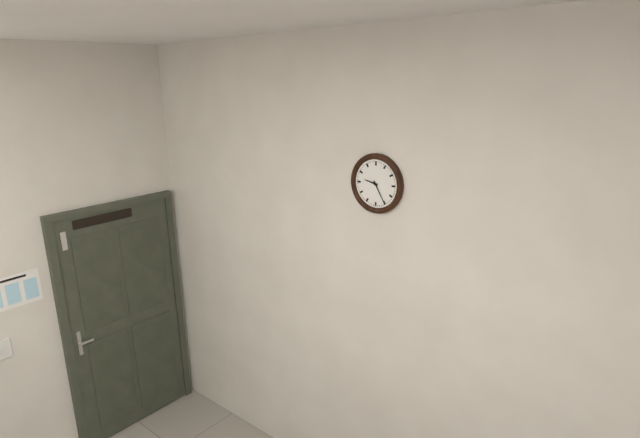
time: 9:25
